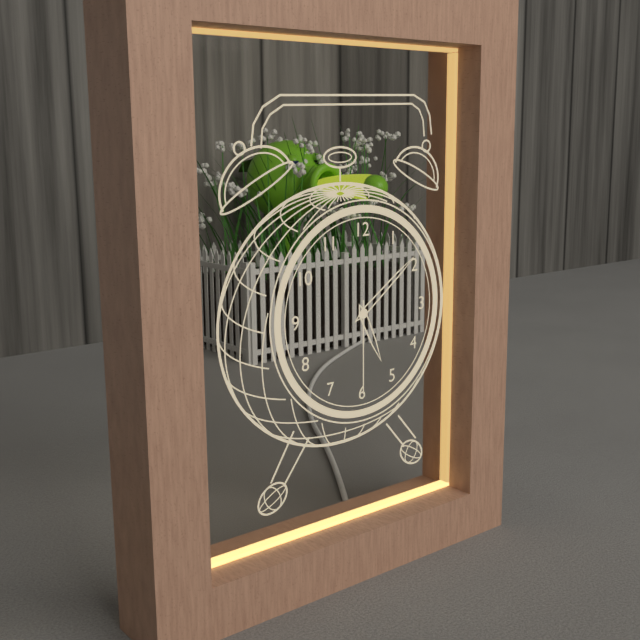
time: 5:09:30
